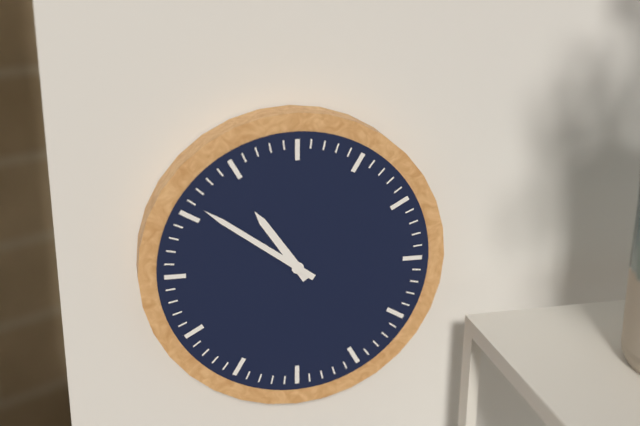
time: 10:51
